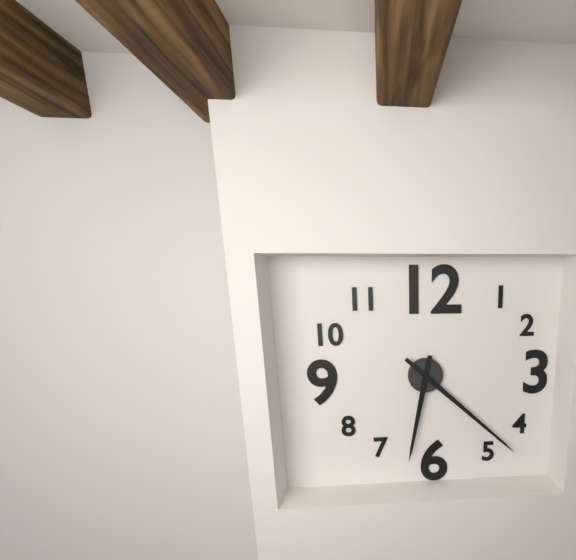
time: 6:22
